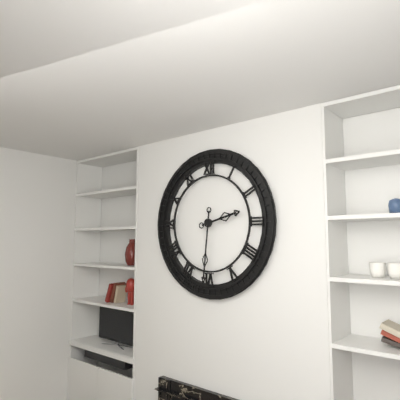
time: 2:31
